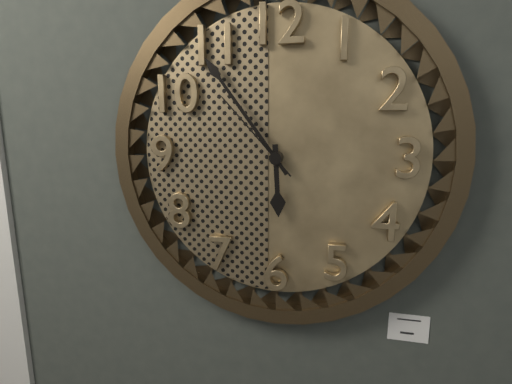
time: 5:54:53
